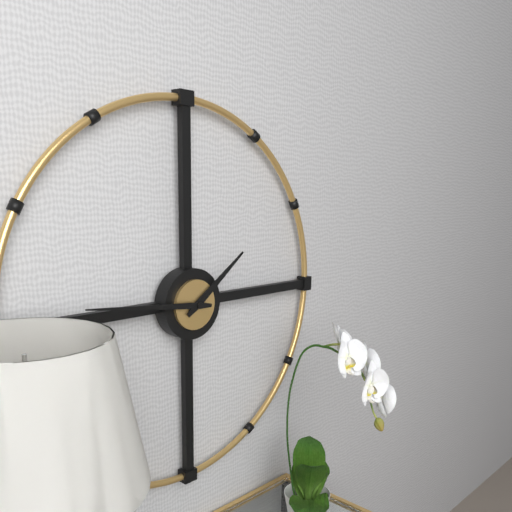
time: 1:46
